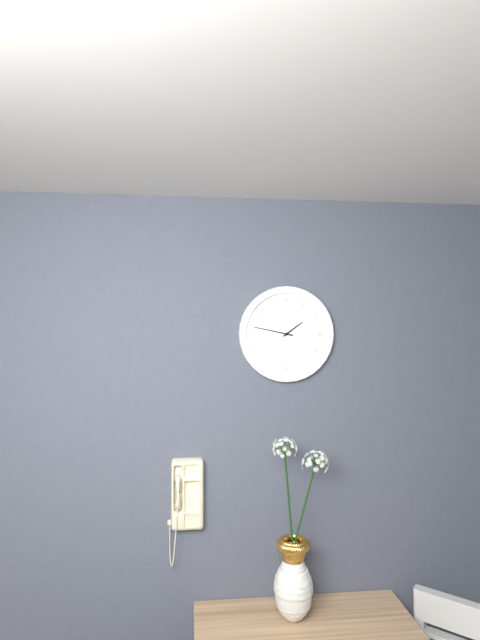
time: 1:47
